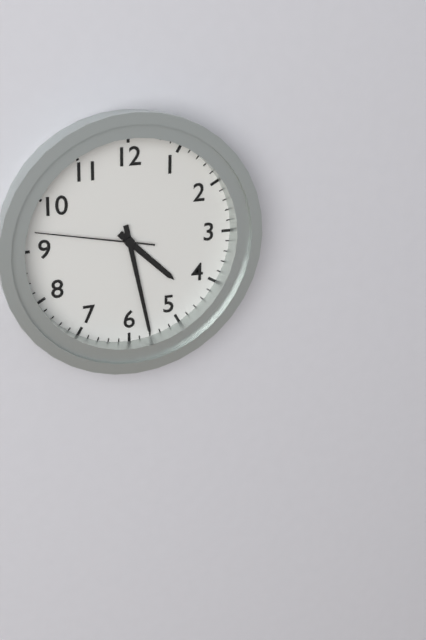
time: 4:28:47
